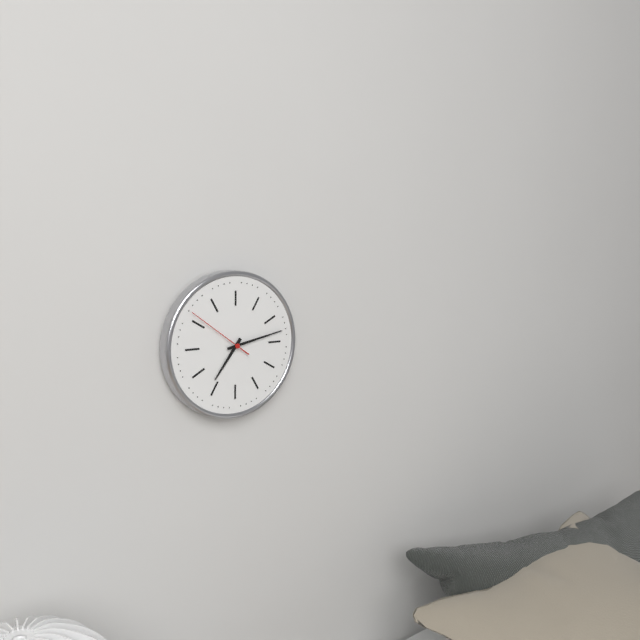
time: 7:13:51
